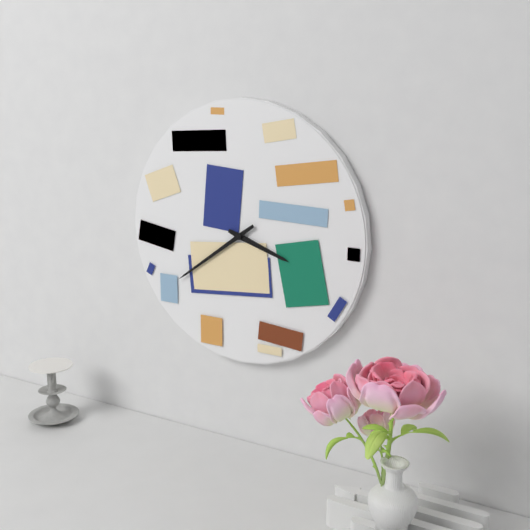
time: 3:39
